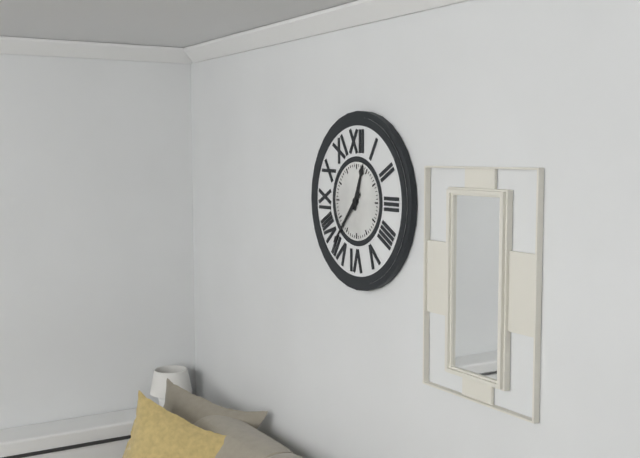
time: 12:37
